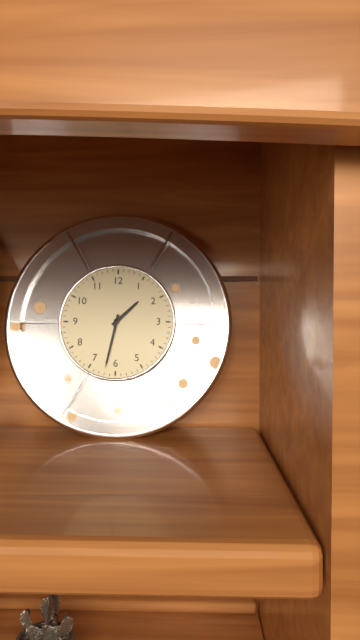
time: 1:32
